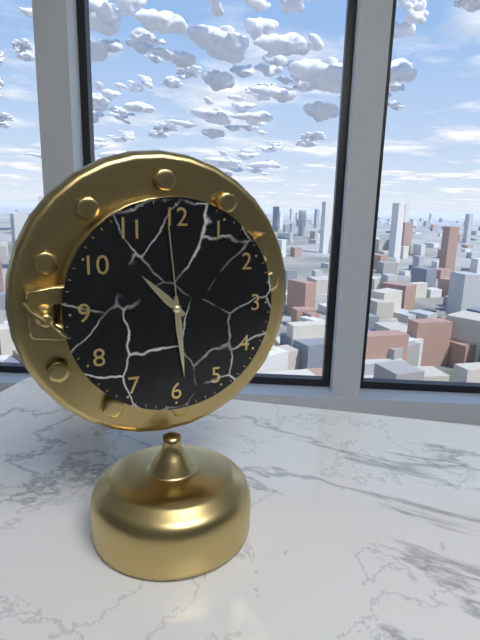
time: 10:29:59
